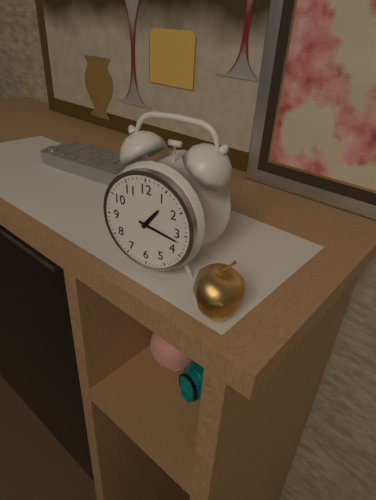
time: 1:17
